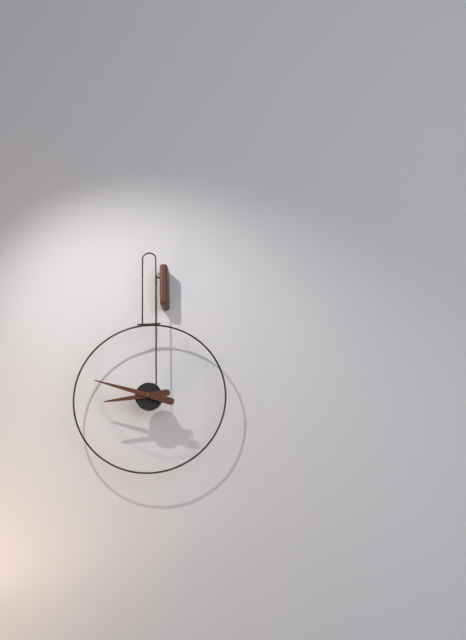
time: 8:48
